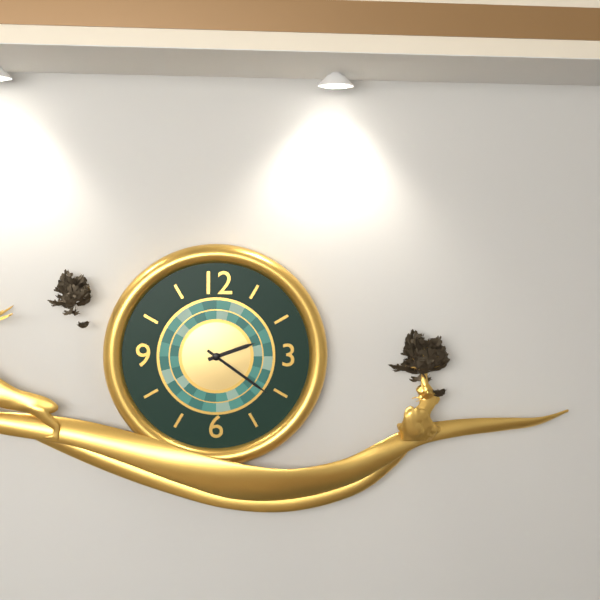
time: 2:21
